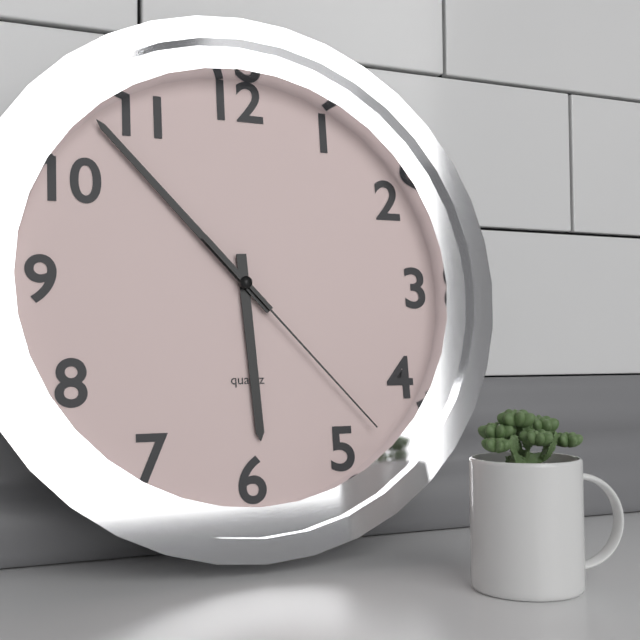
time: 5:53:23
